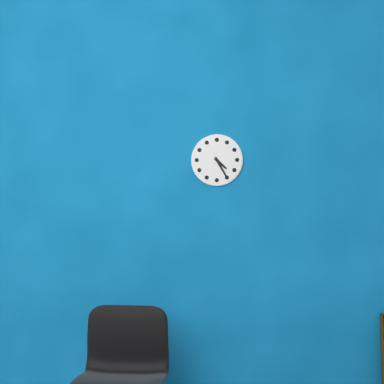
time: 4:25
